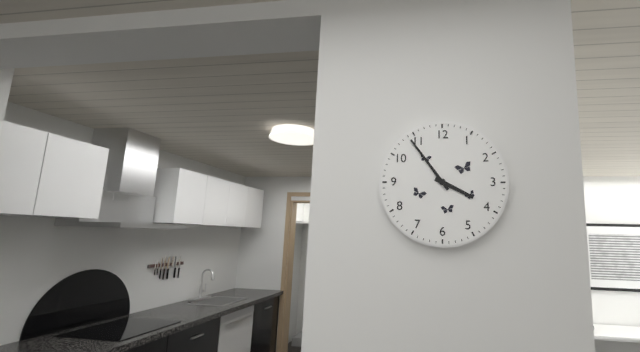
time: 3:54
